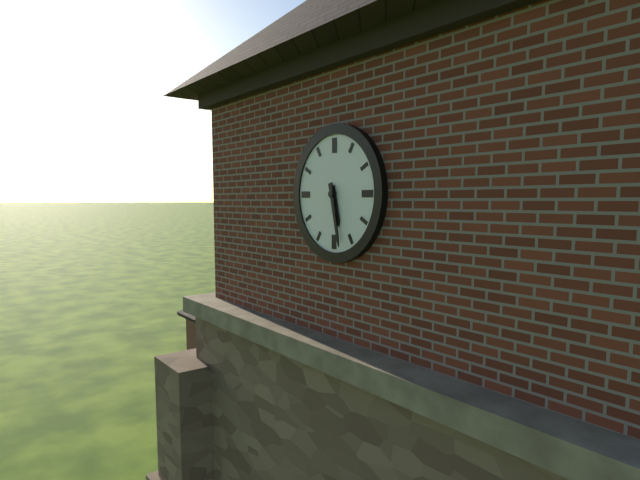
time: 5:28
